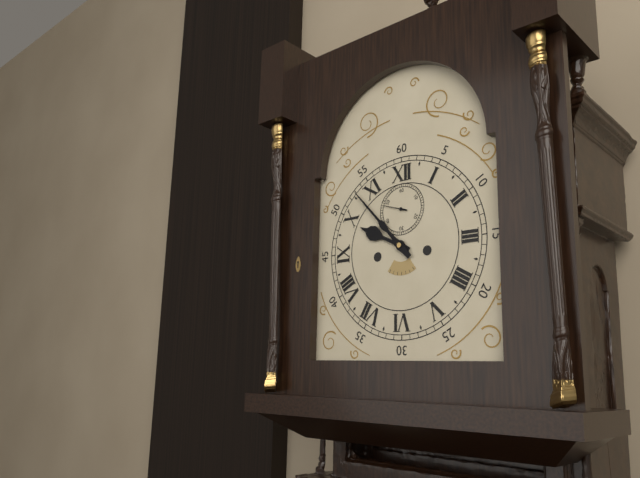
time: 9:53
